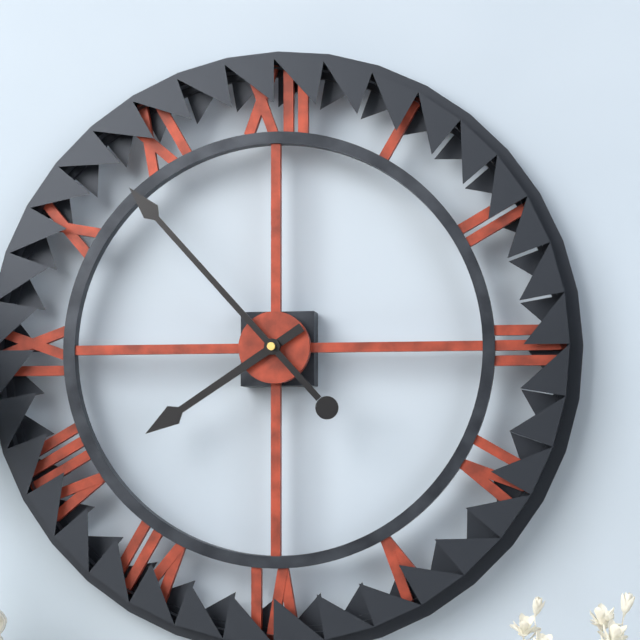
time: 7:53
